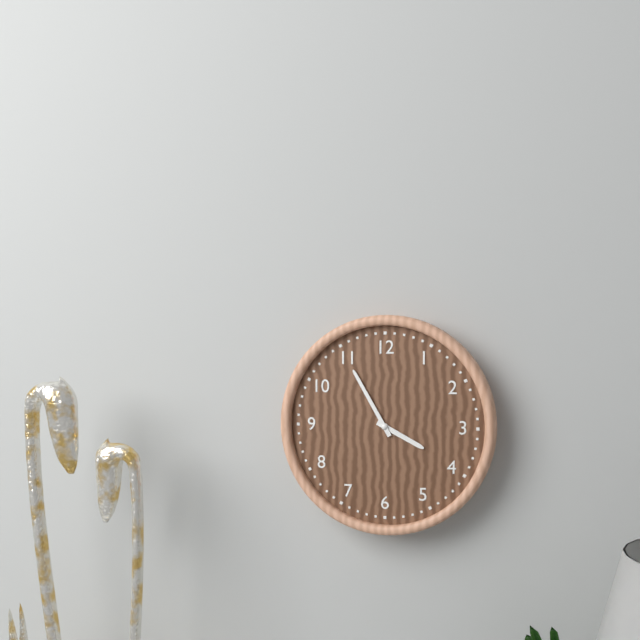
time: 3:55
